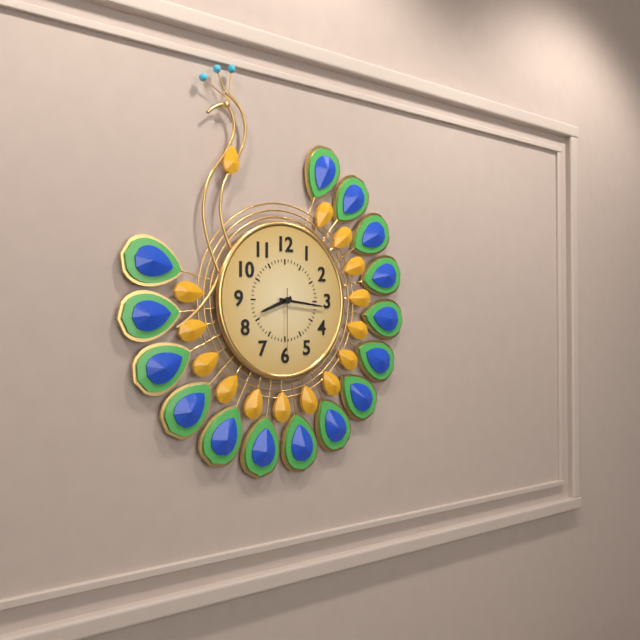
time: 8:16:30
